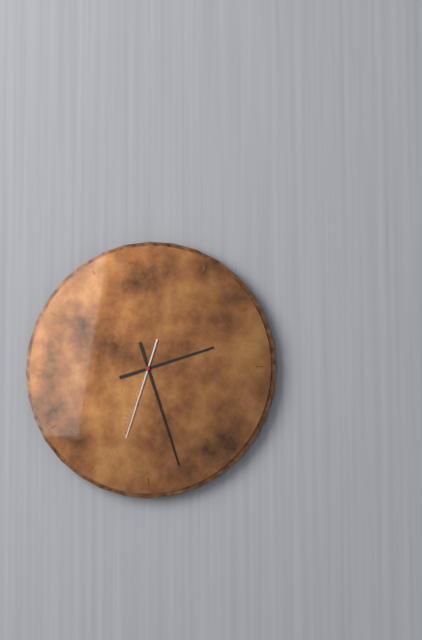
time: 2:27:33
